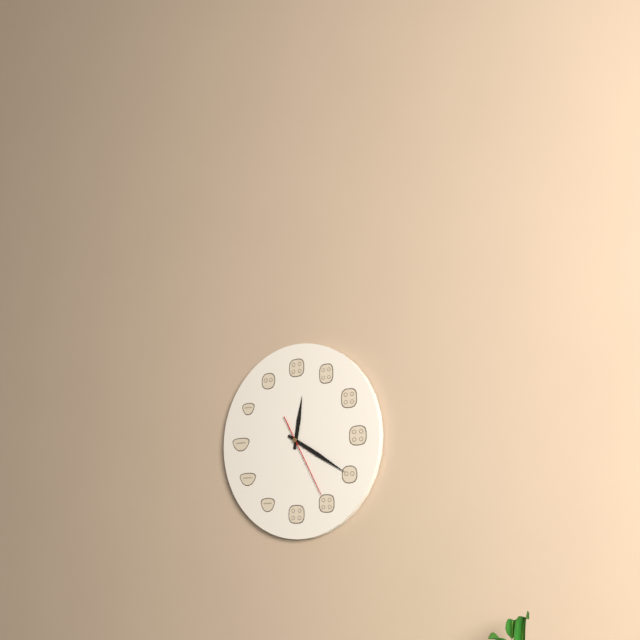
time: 12:20:25
